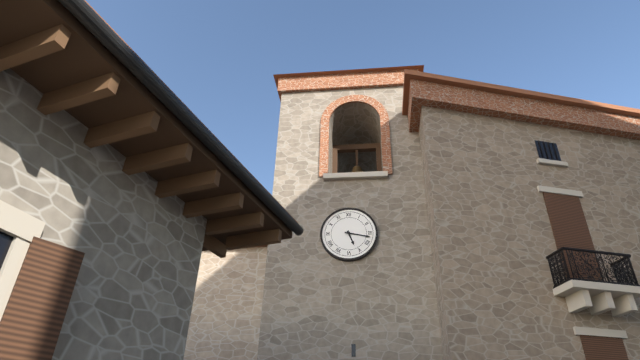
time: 5:17
